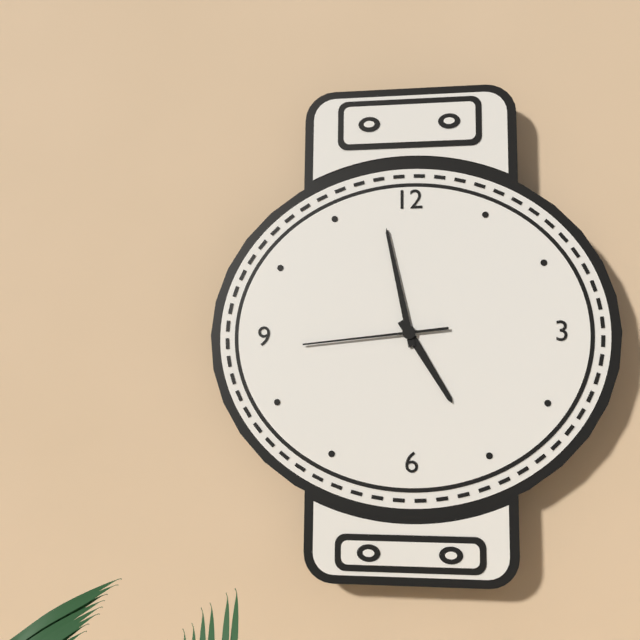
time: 4:58:44
